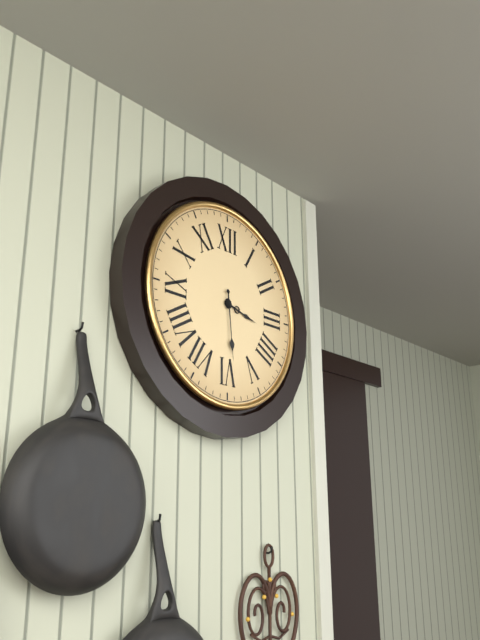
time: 3:29
